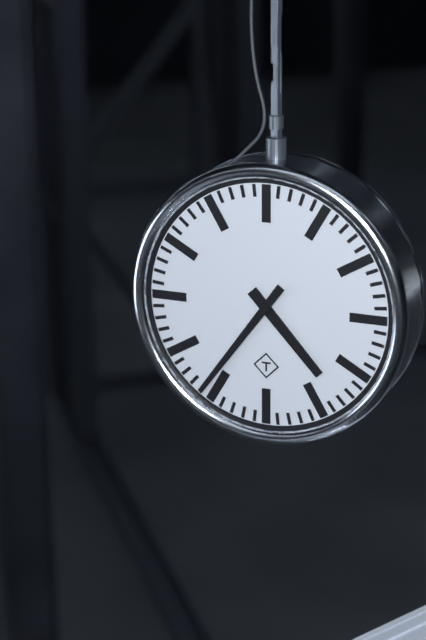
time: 4:36
